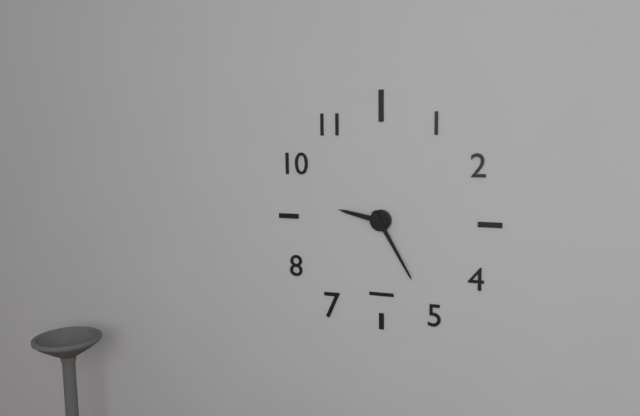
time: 9:25
